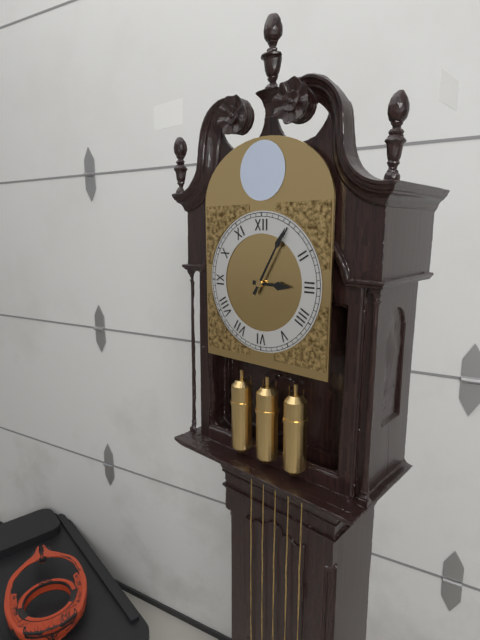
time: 3:05
